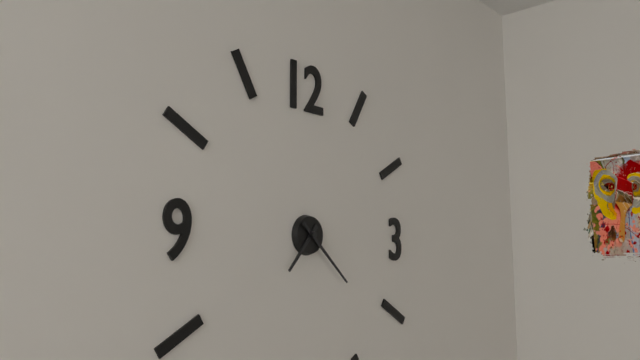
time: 7:22
